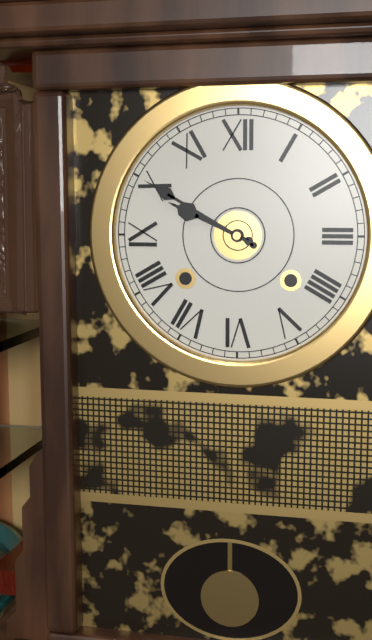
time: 9:50
